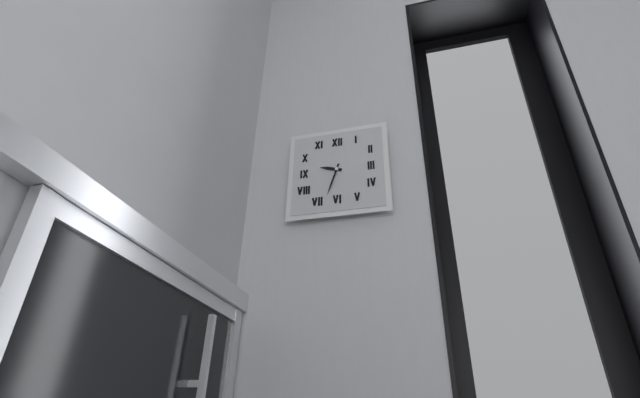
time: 9:33
